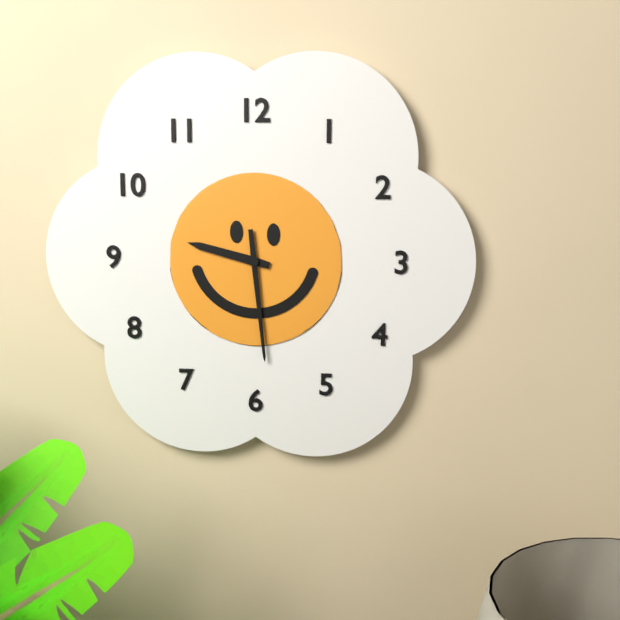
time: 9:29
